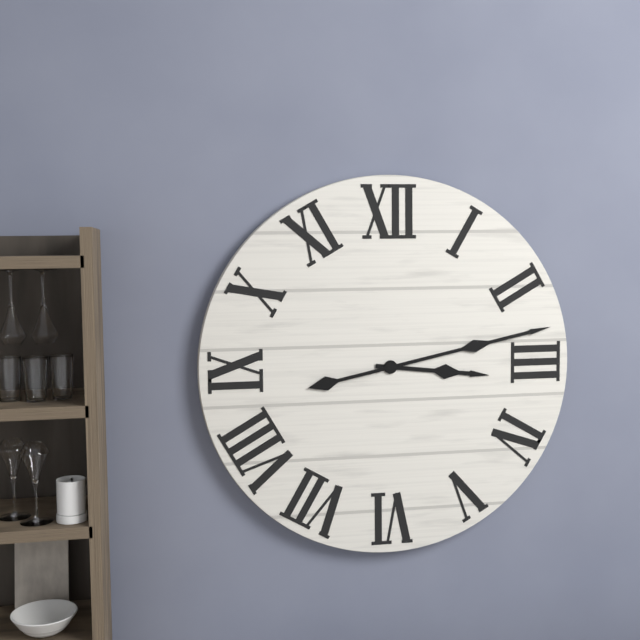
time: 3:13
